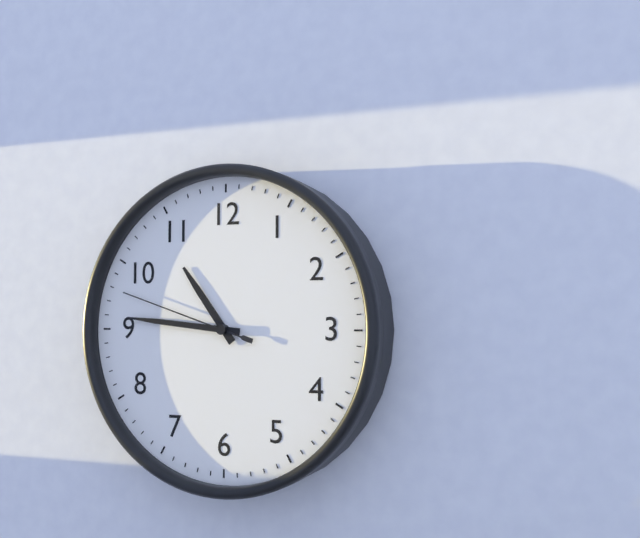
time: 10:46:48
